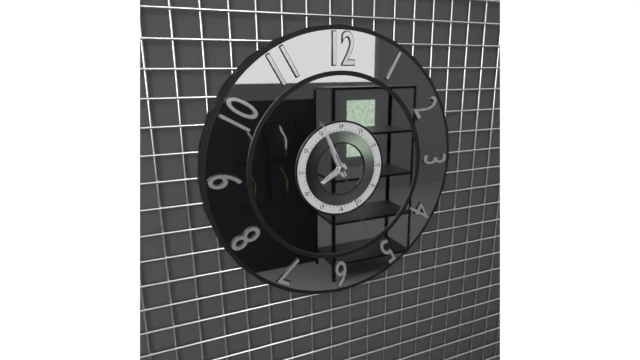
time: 7:56:26
